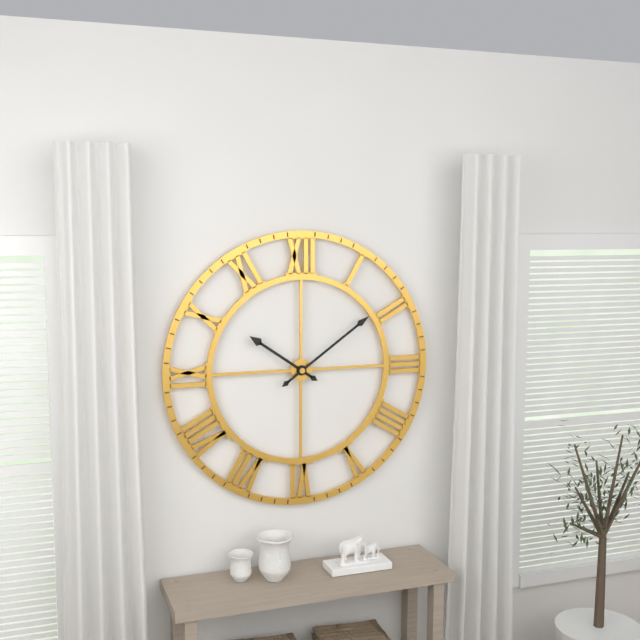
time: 10:09
